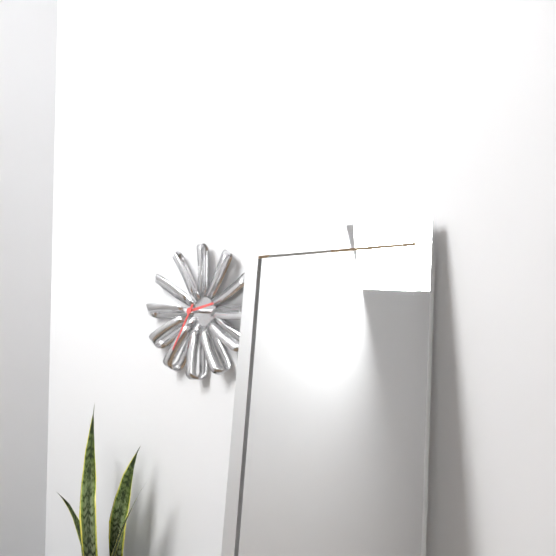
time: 2:35
